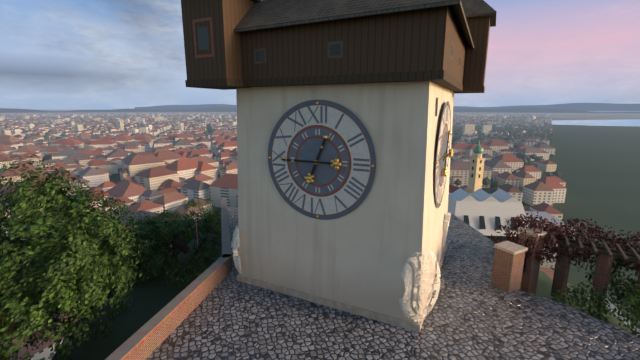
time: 12:45
